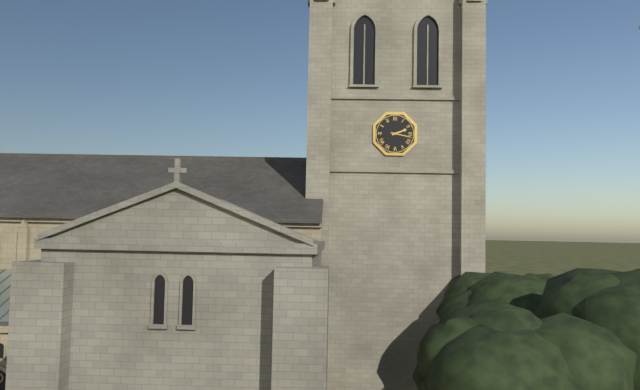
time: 2:17
